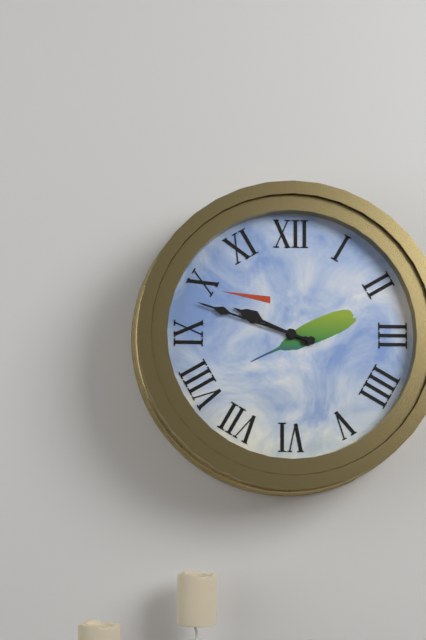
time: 9:48
